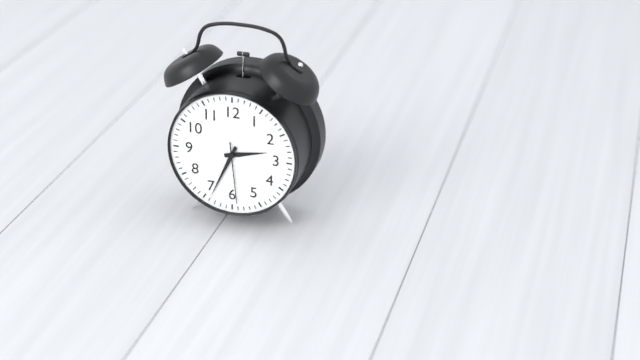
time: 2:34:29
